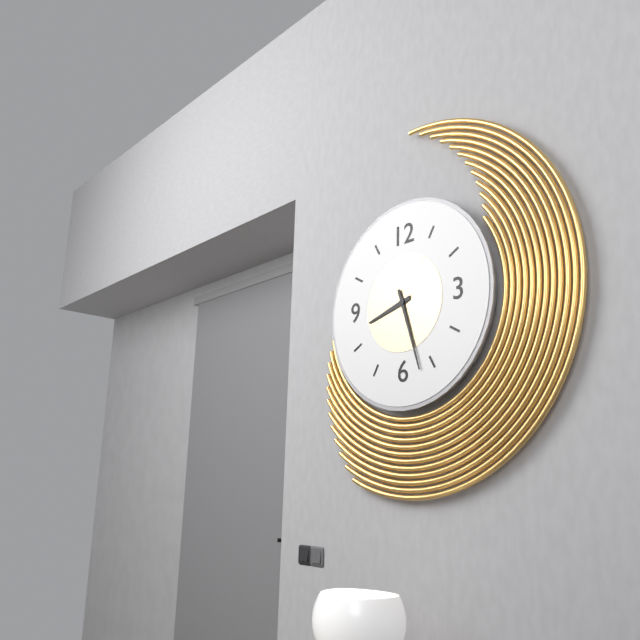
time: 8:27
